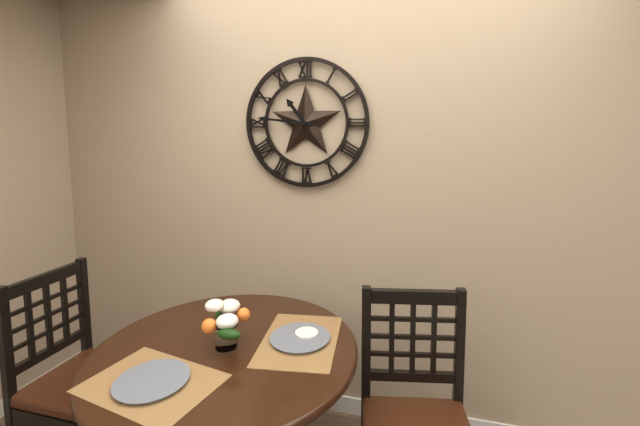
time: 10:46
